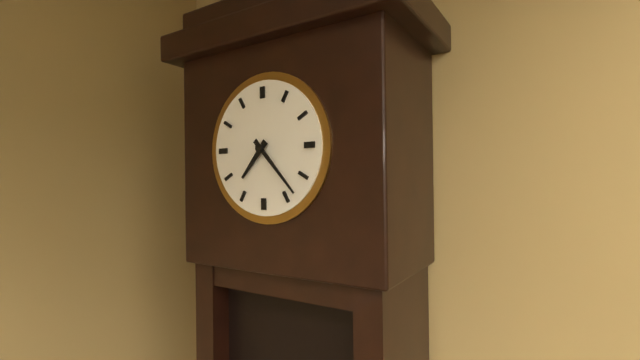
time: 7:23
